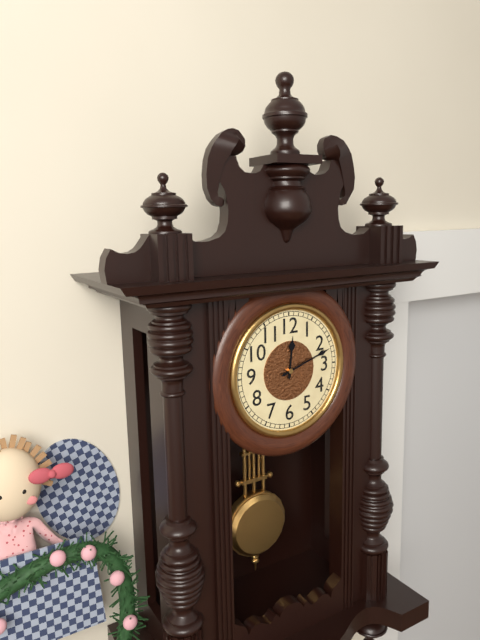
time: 12:12
